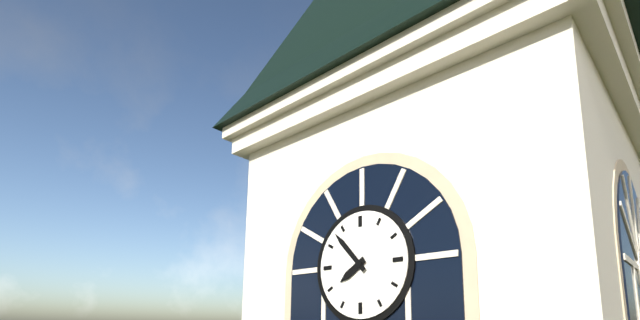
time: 7:53
